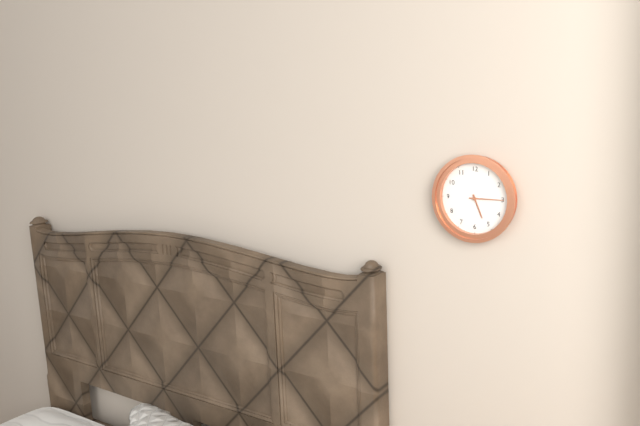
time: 5:15
